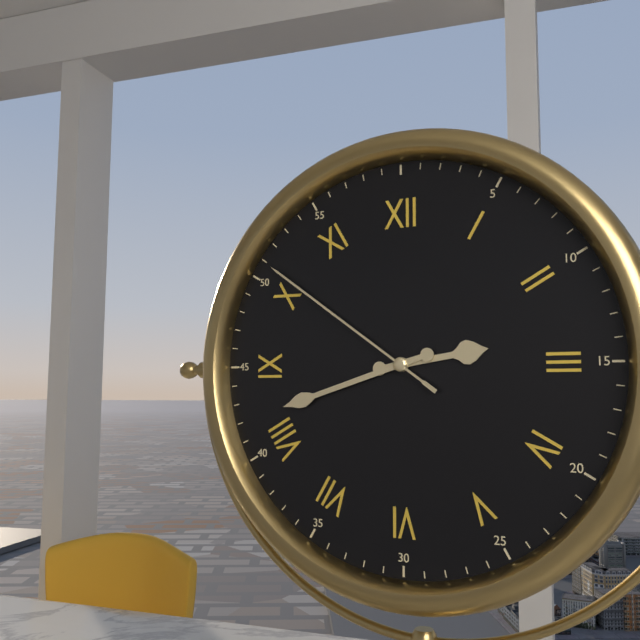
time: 2:42:51
